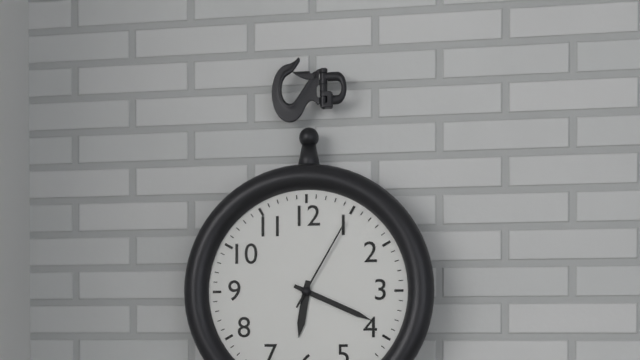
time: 6:19:05
